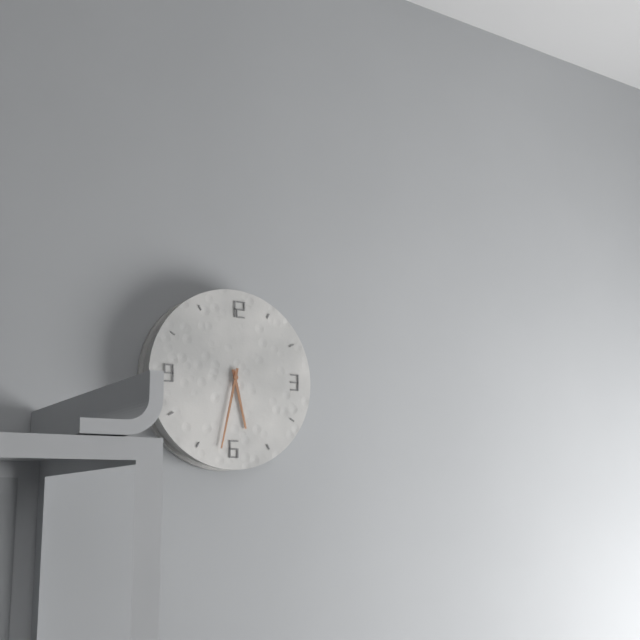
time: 5:32
